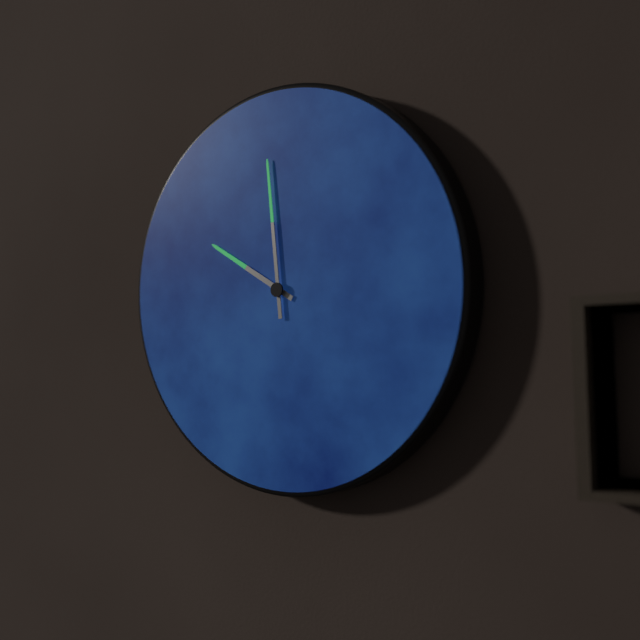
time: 9:59
